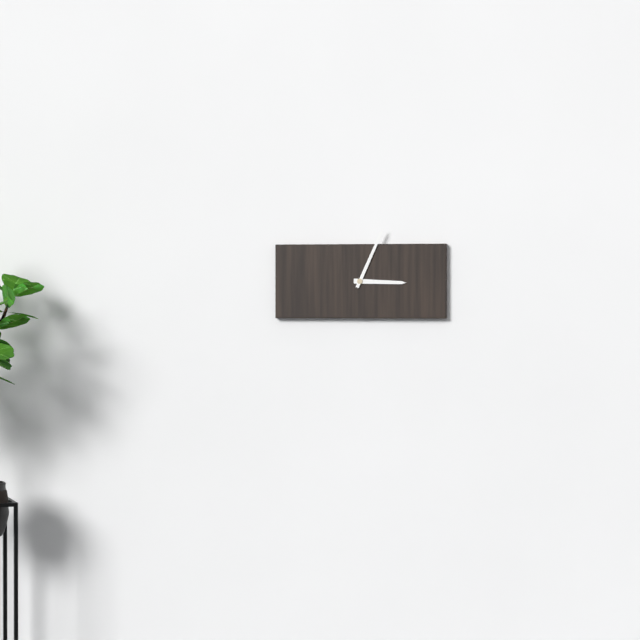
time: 3:04
